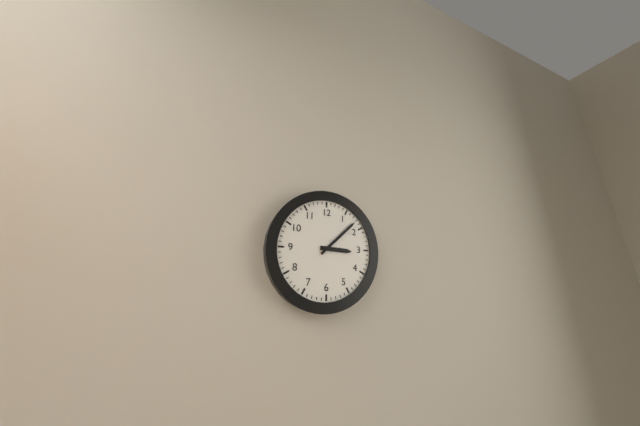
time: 3:08
